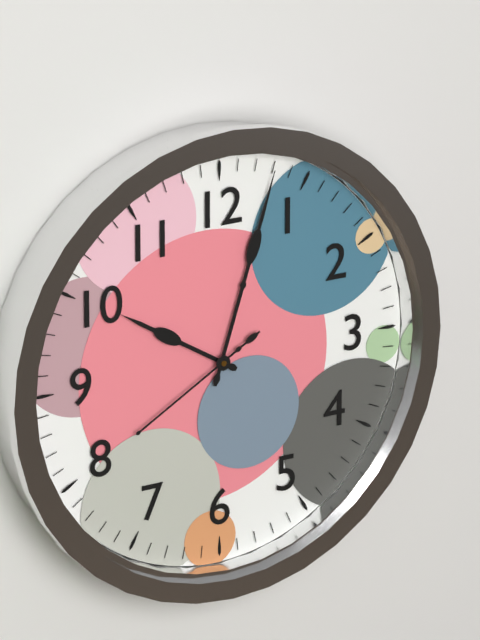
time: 10:03:40
